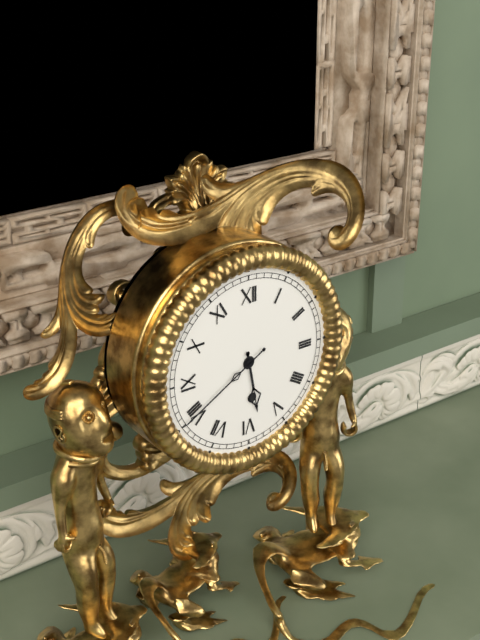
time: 5:40
